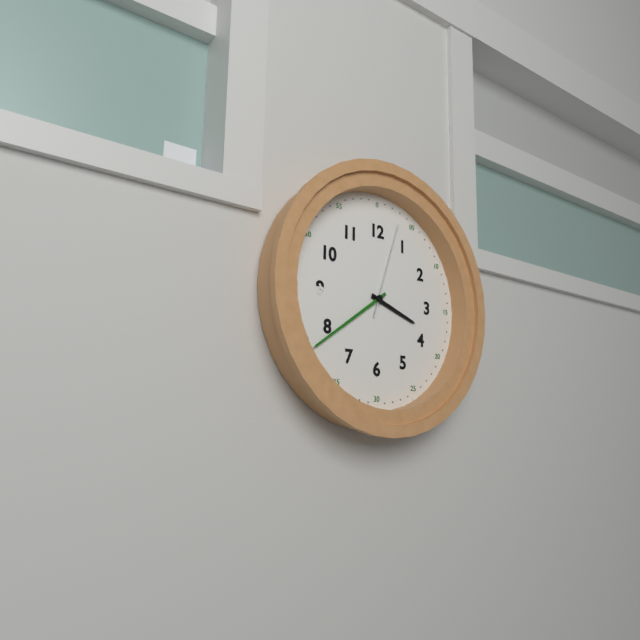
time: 3:39:03
